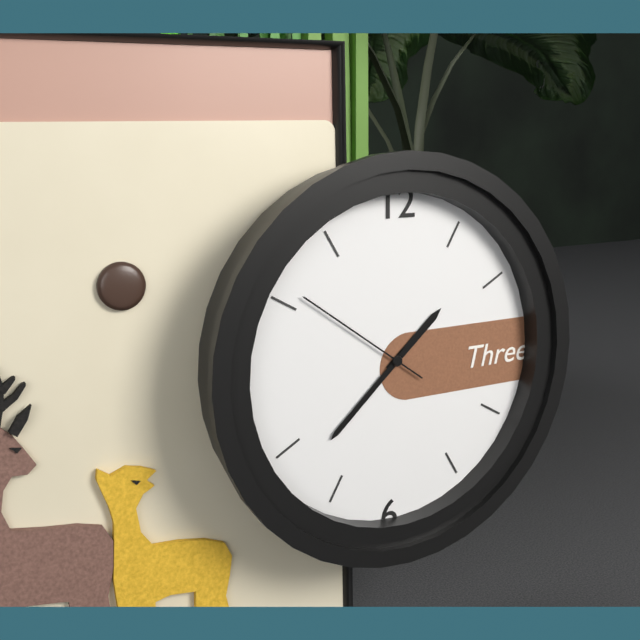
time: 1:38:51
